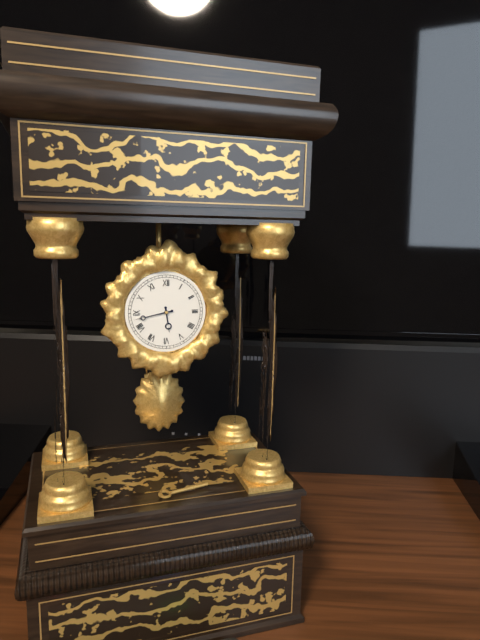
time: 5:43
